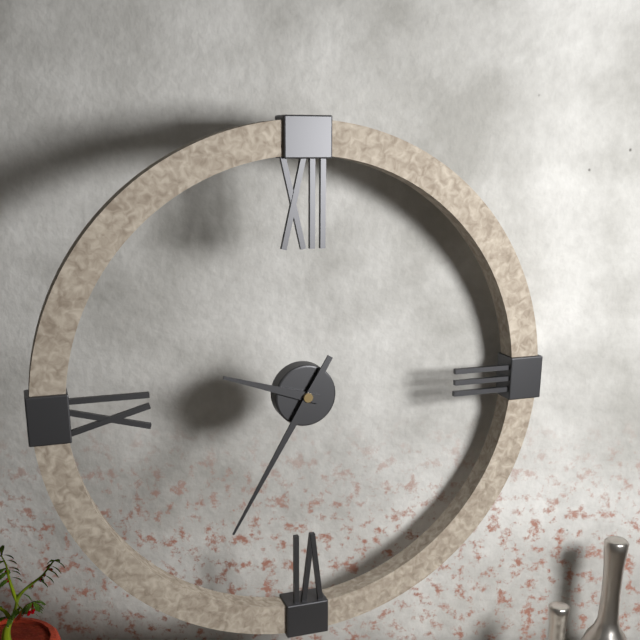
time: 9:35
